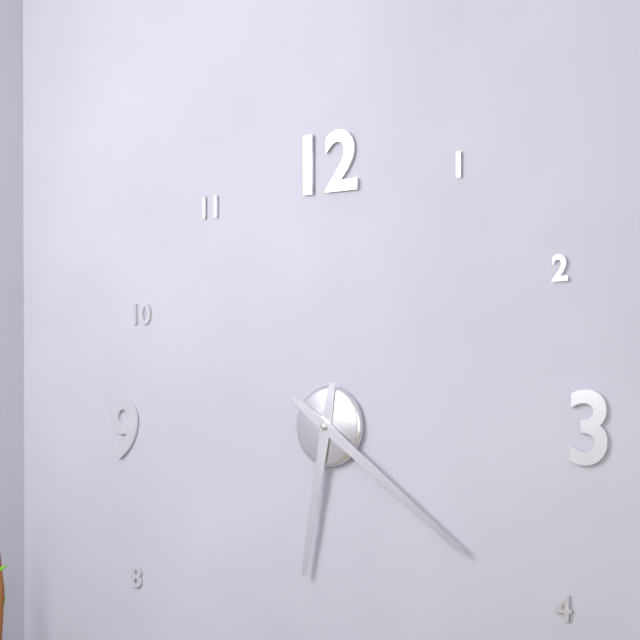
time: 6:21
